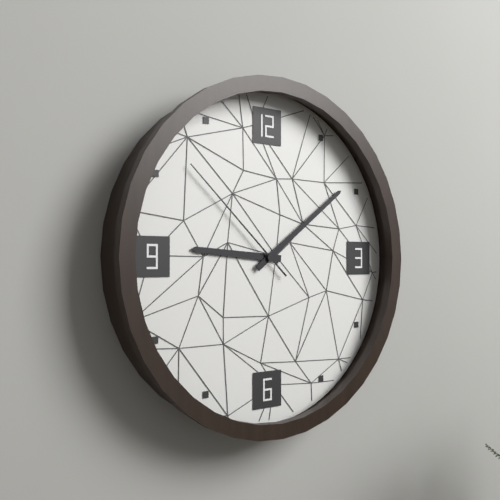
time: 9:09:52
